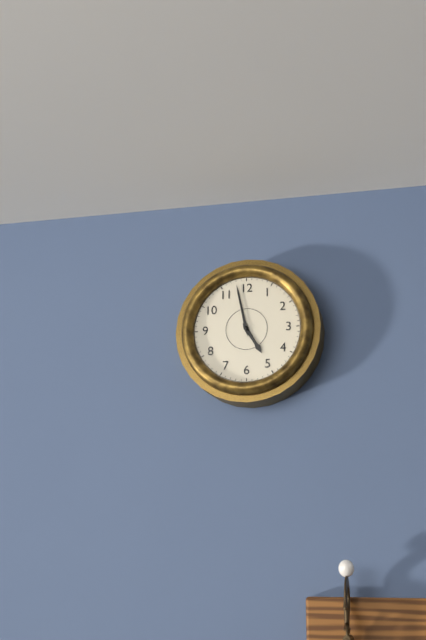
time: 4:58
